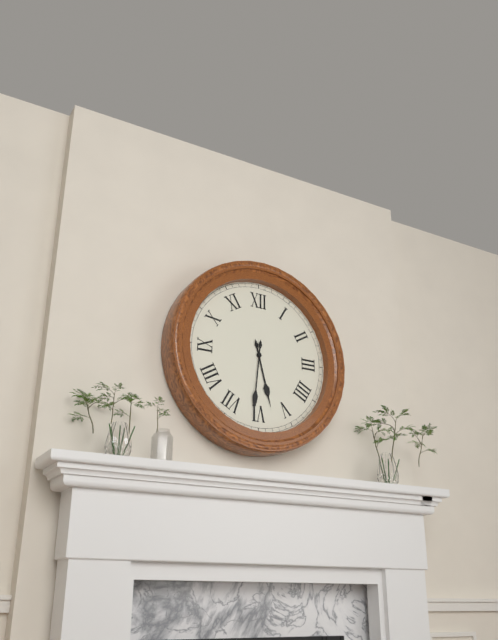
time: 5:31
